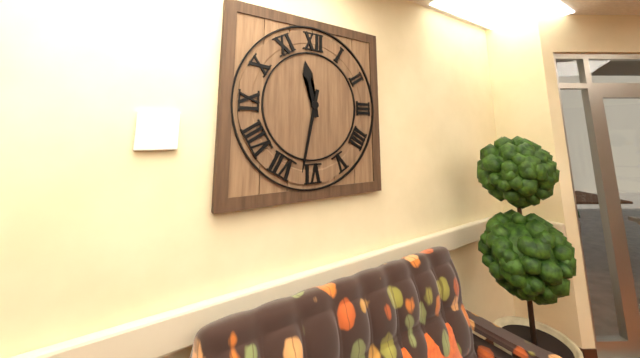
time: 11:32
